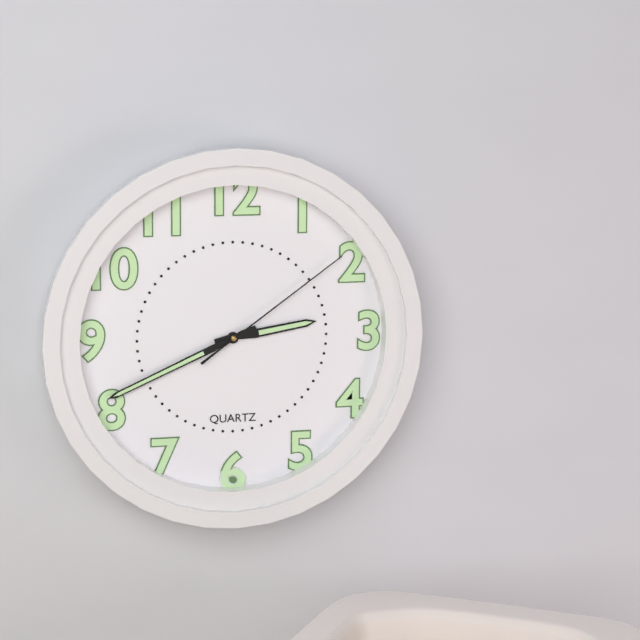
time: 2:41:09
